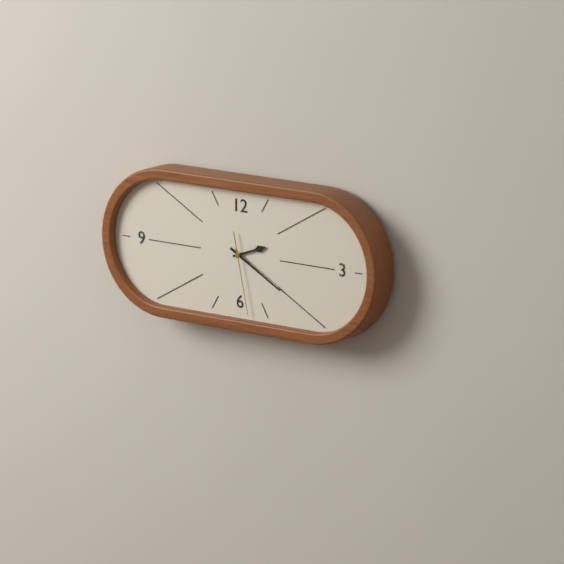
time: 2:20:28
